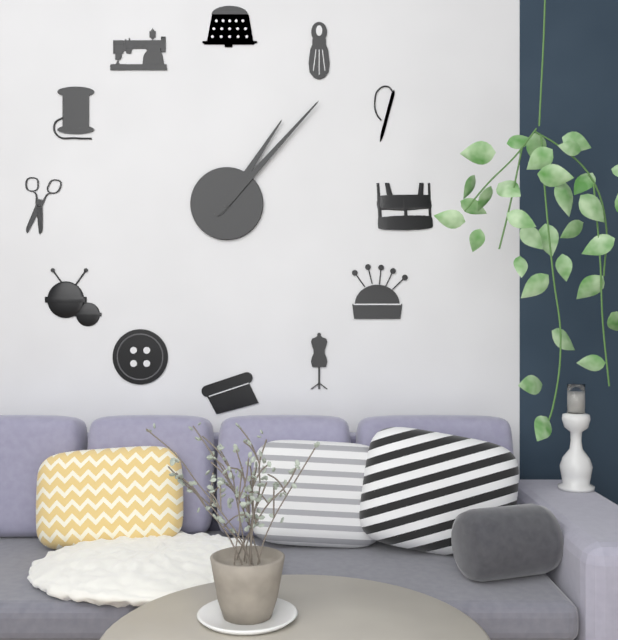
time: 1:07
